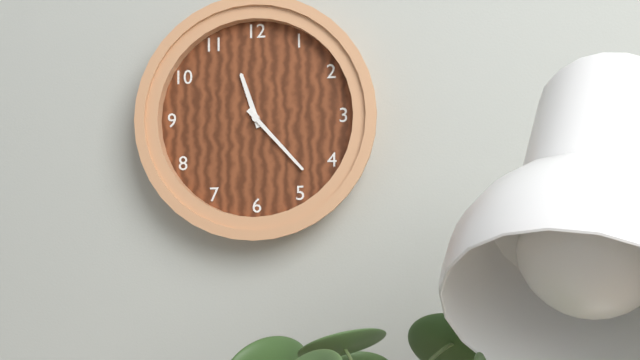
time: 11:23
